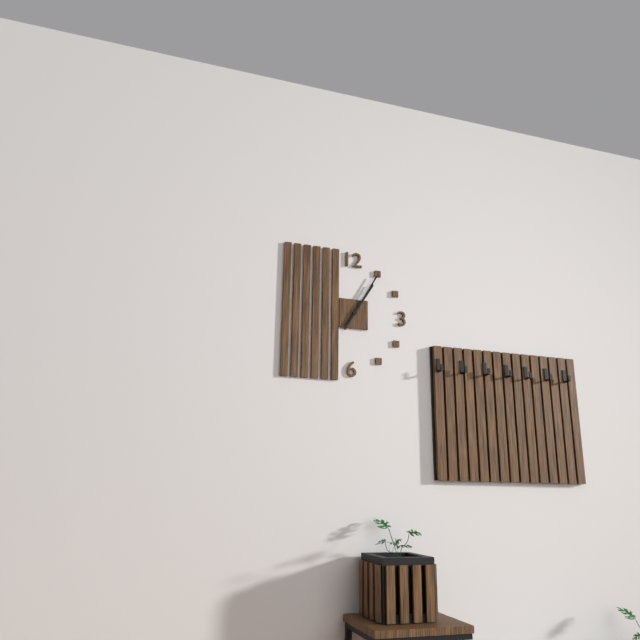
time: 1:05
